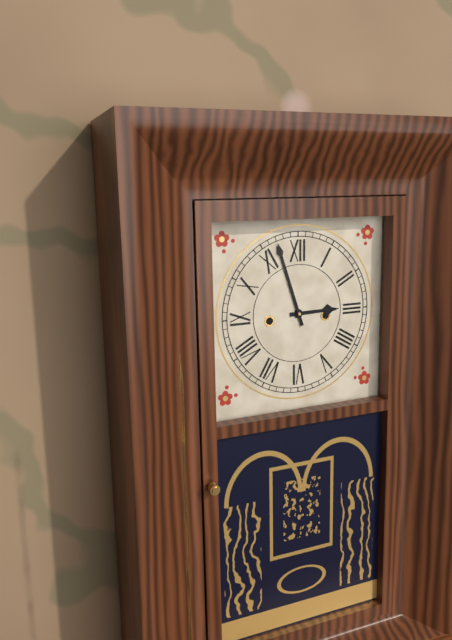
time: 2:57
